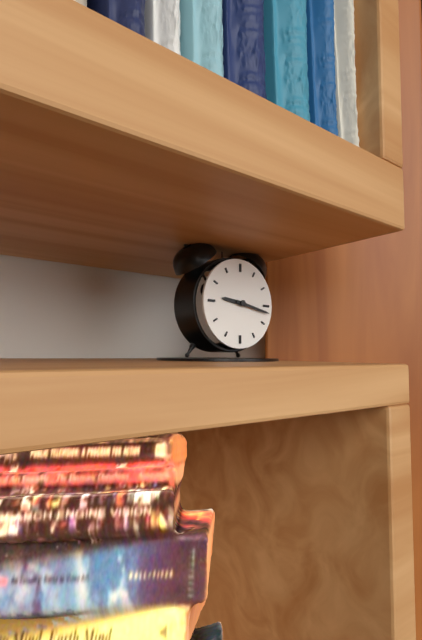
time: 9:17
